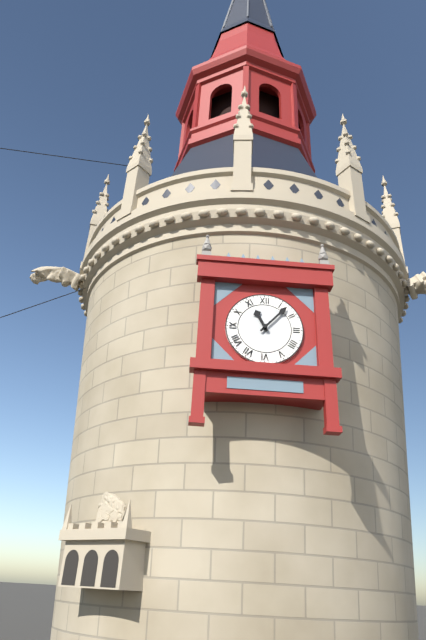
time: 11:07
